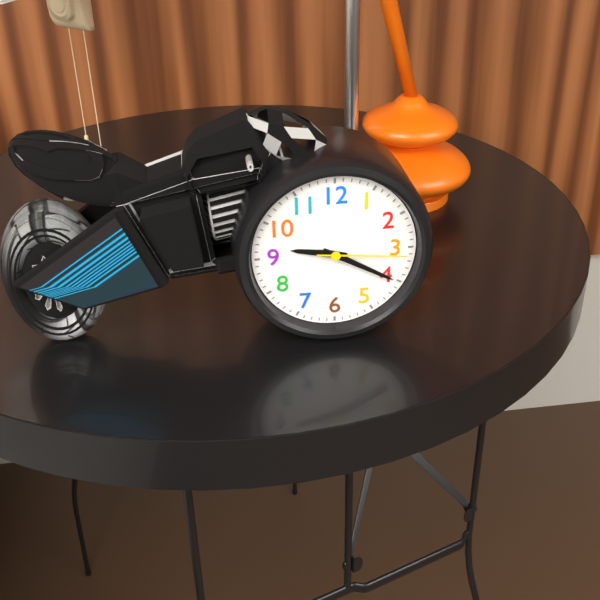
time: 9:20:16
